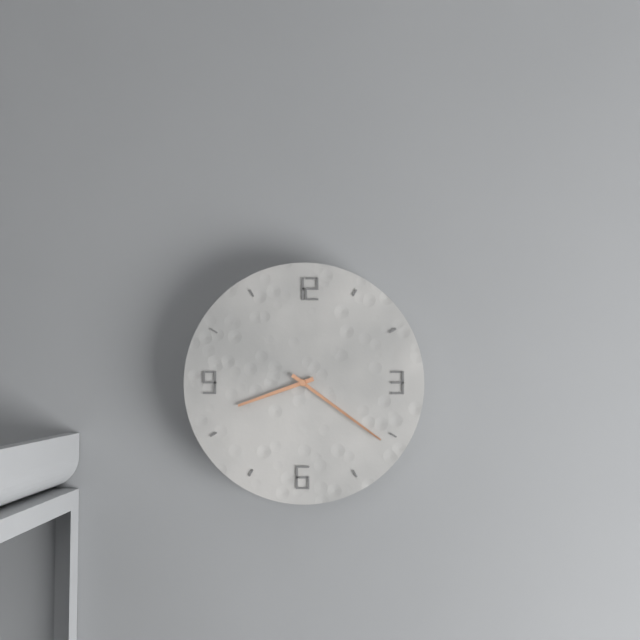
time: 8:21
